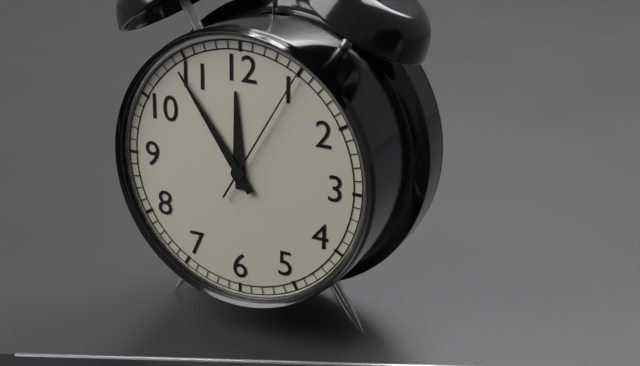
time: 11:54:05
